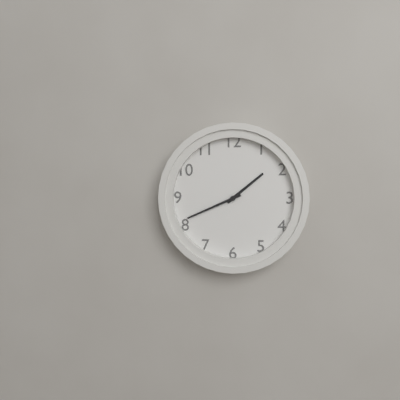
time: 1:41
